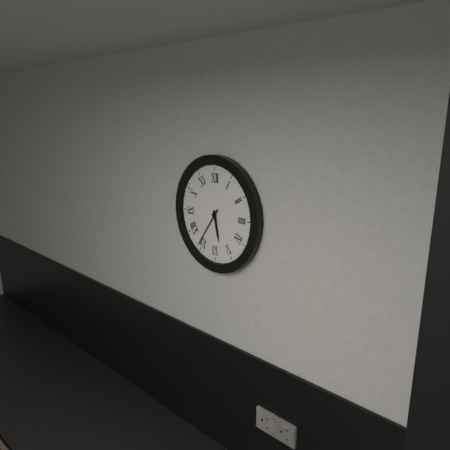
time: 5:36
